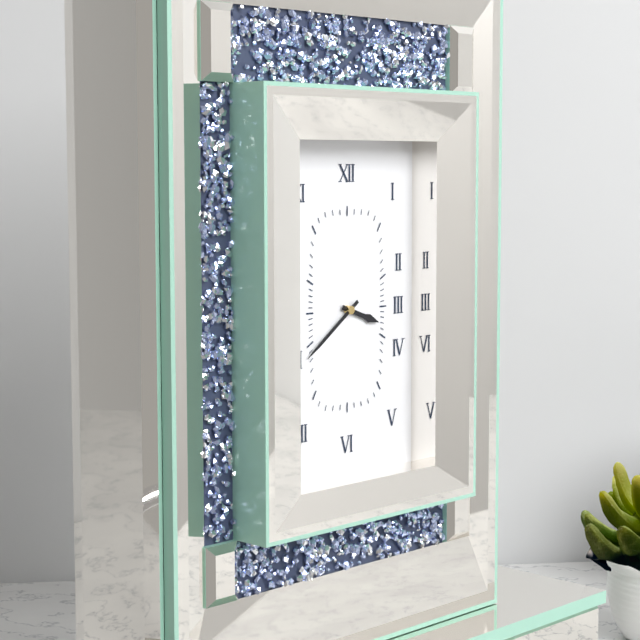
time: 3:39
